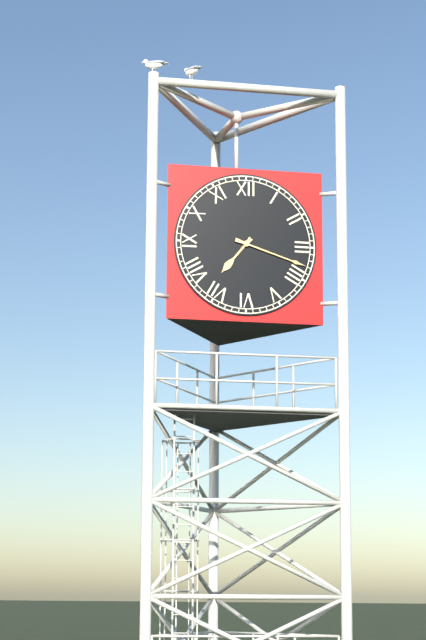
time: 7:18
